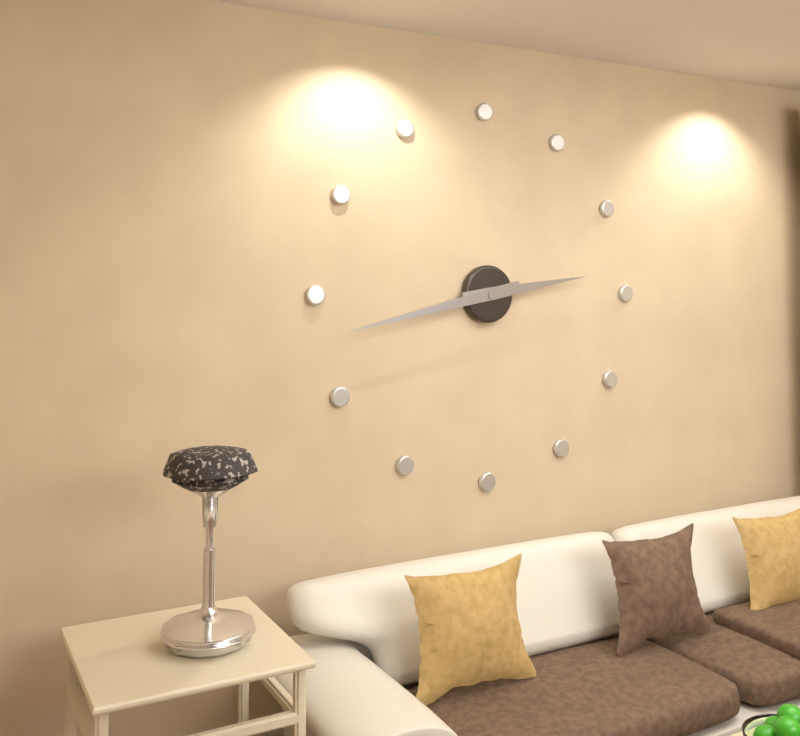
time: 2:43
